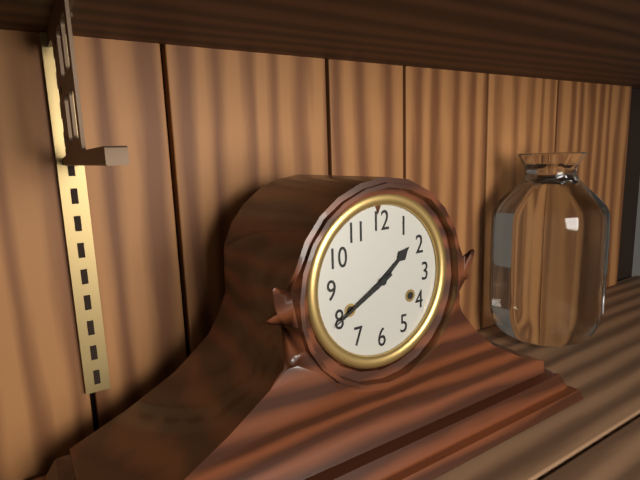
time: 1:40
